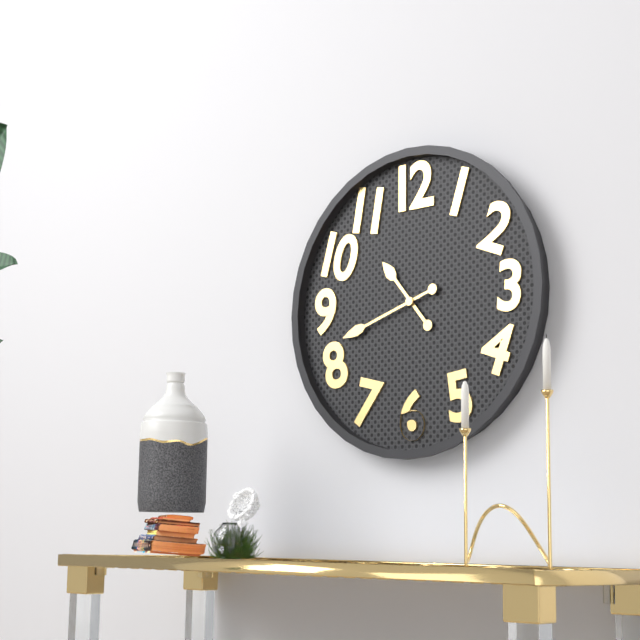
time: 10:42
